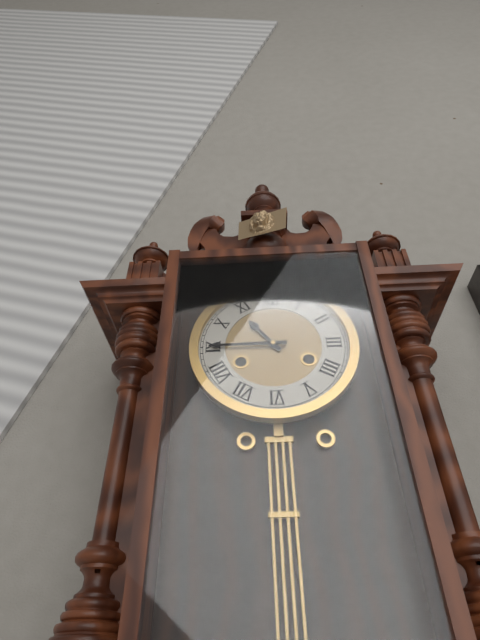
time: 10:45
